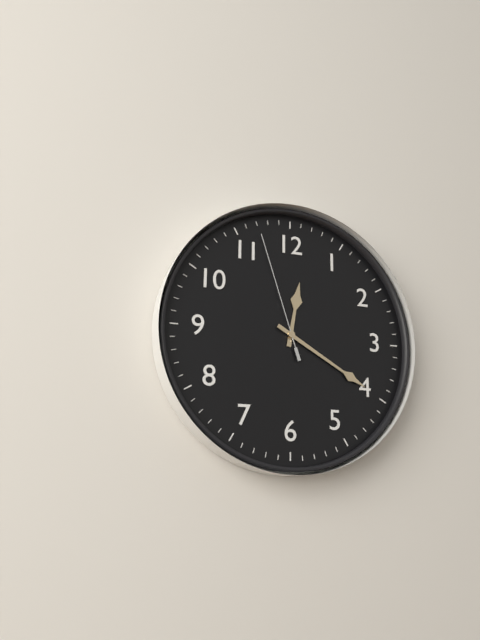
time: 12:20:57
